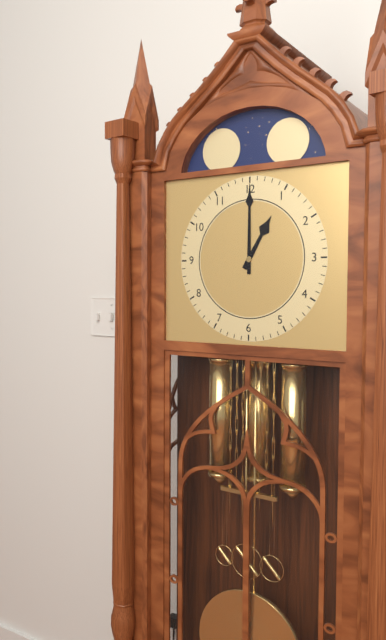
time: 1:00
